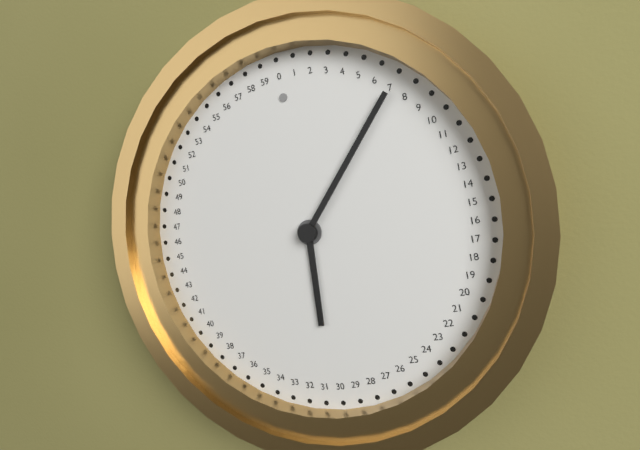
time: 6:07
